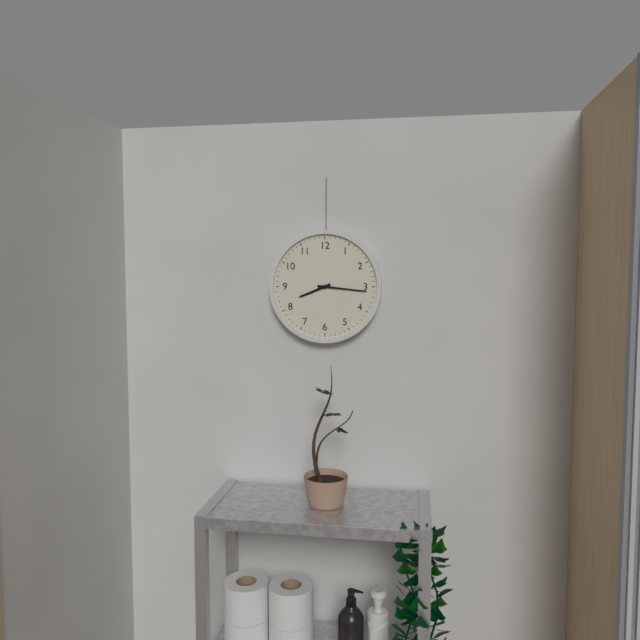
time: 8:16
